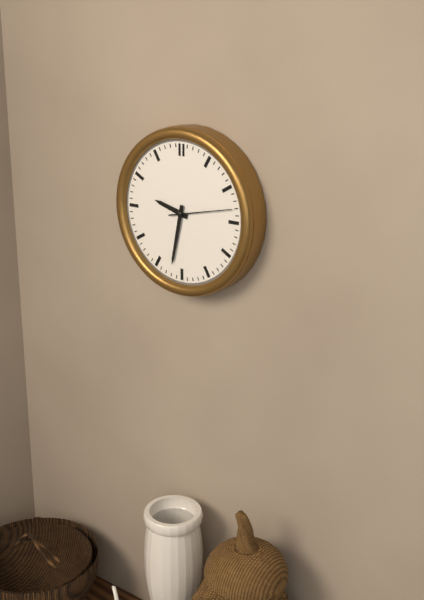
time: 9:32:13
